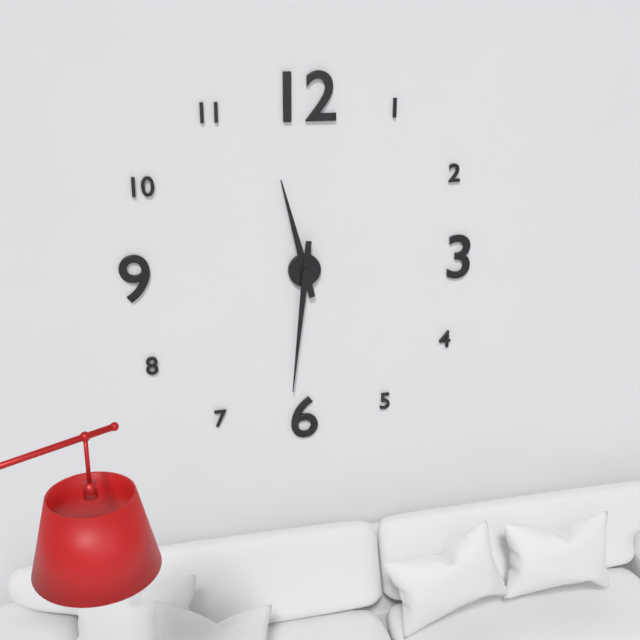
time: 11:31
